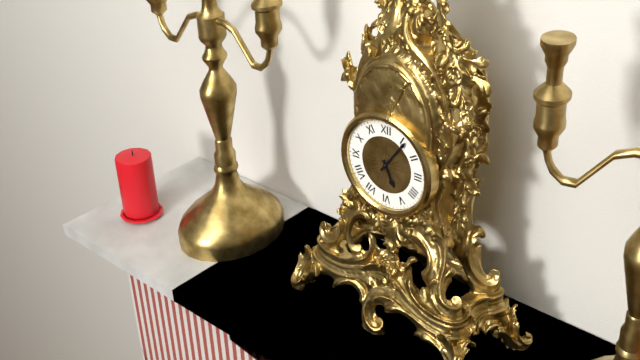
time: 5:06
